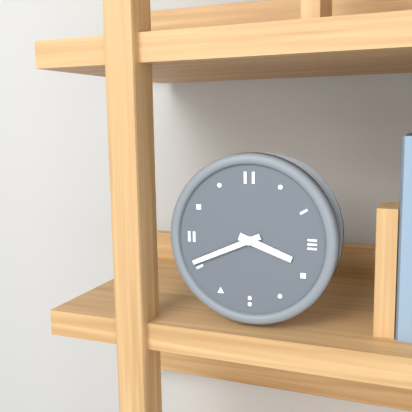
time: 3:41
